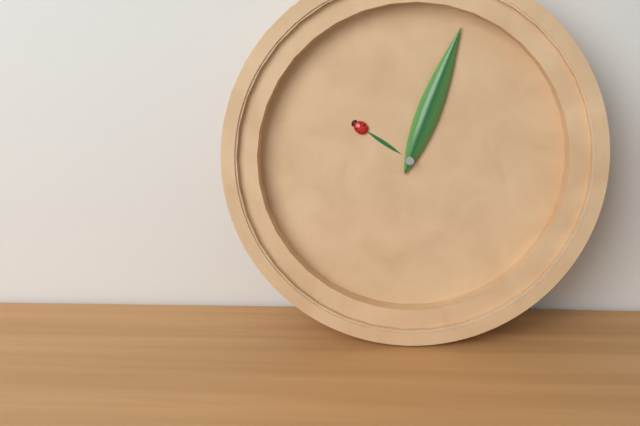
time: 10:03
